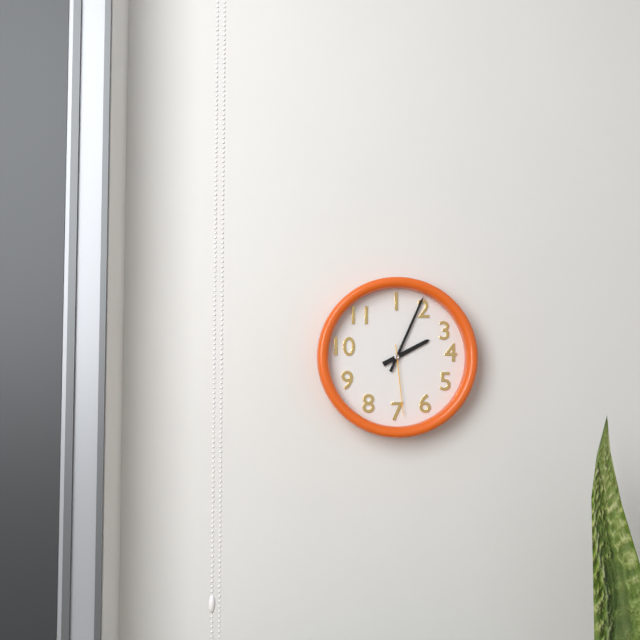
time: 2:04:29
